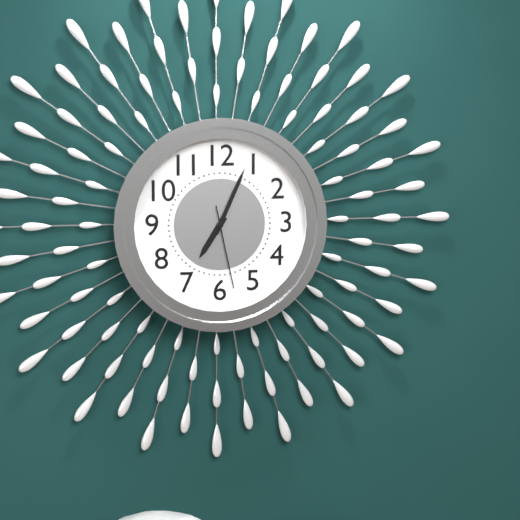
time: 7:04:28
